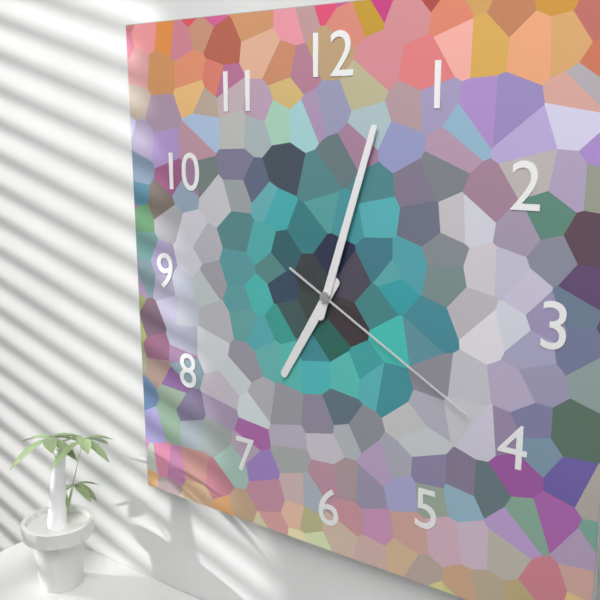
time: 7:03:20
